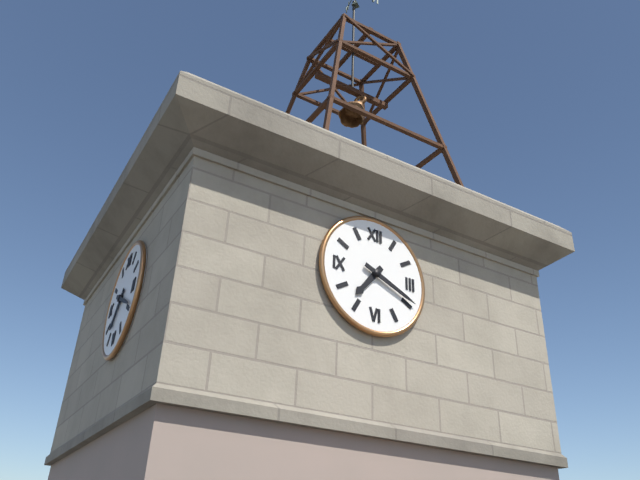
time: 7:19
